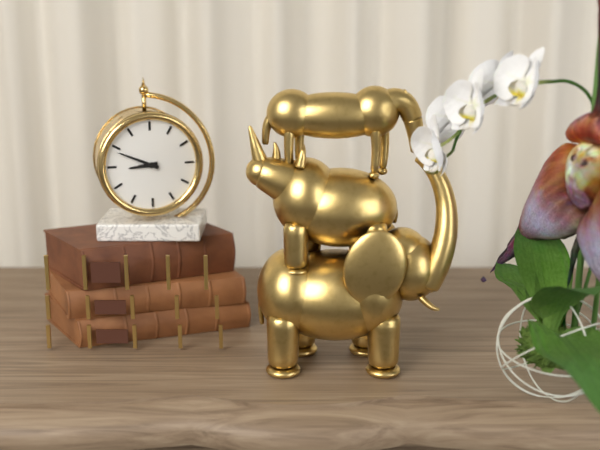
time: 8:49
